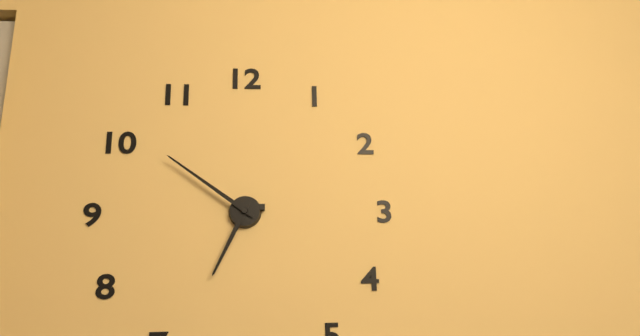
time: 6:51
